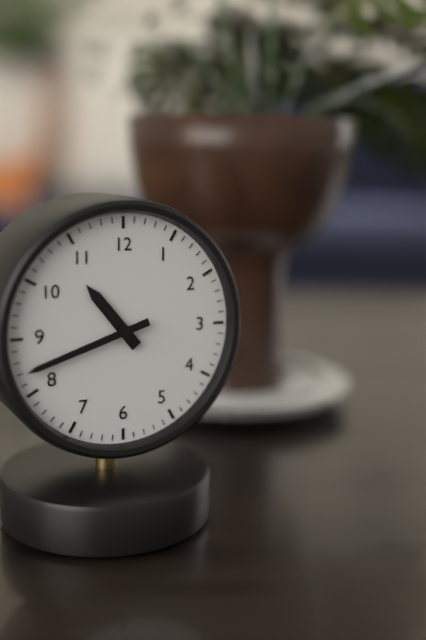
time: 10:42
